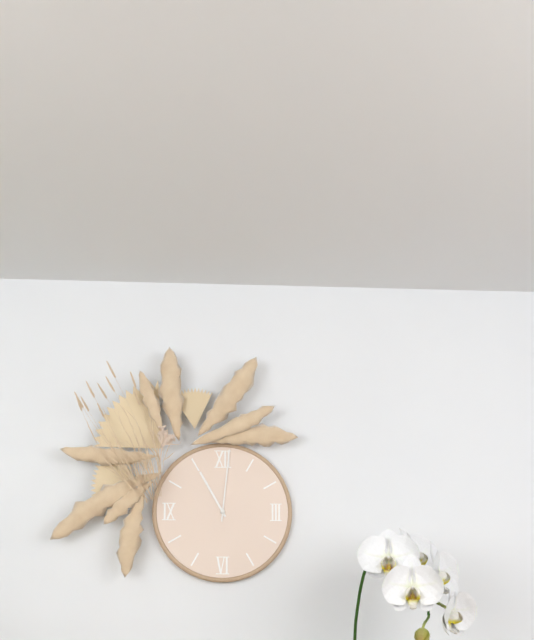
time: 11:01
